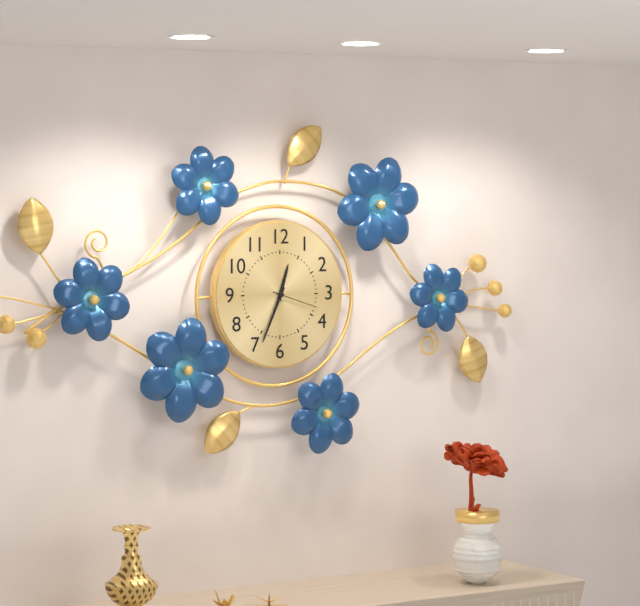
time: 12:34
